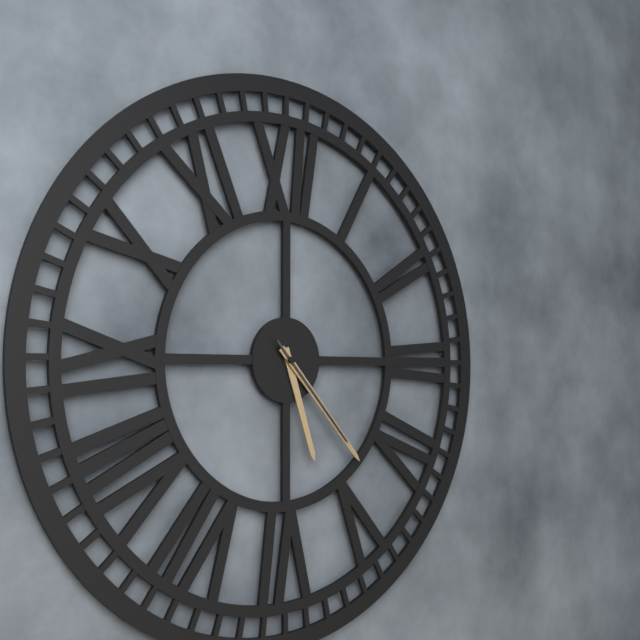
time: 5:23:23
